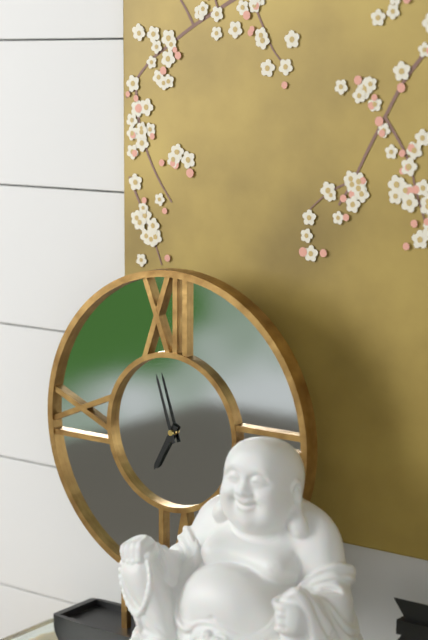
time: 6:57
